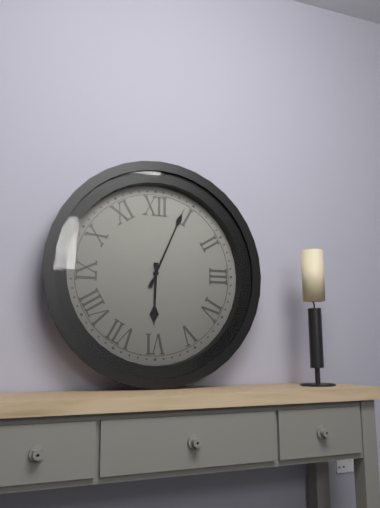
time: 6:04
